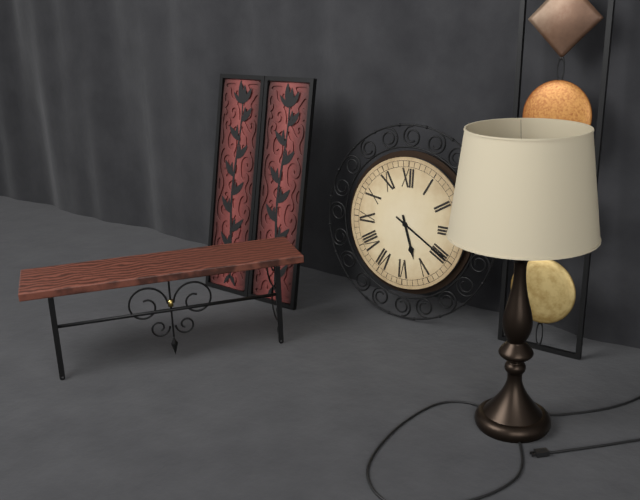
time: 5:20
